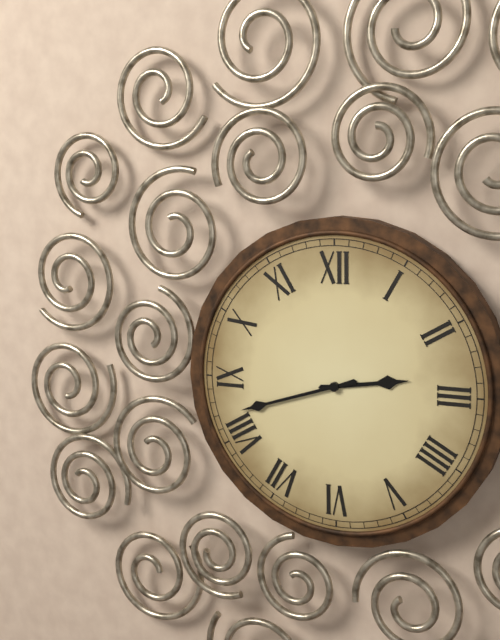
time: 2:42
